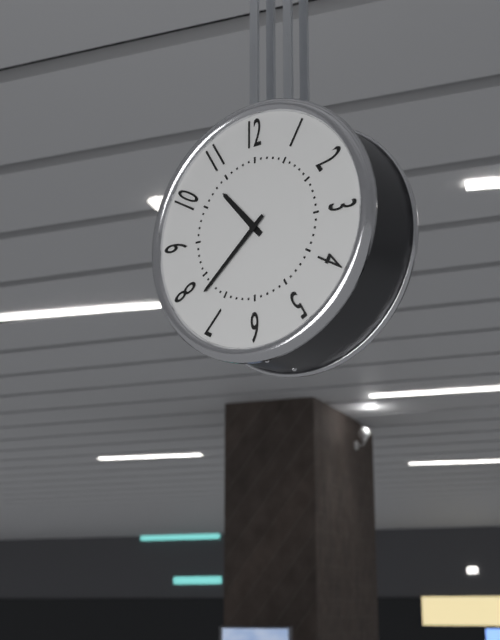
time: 10:38
